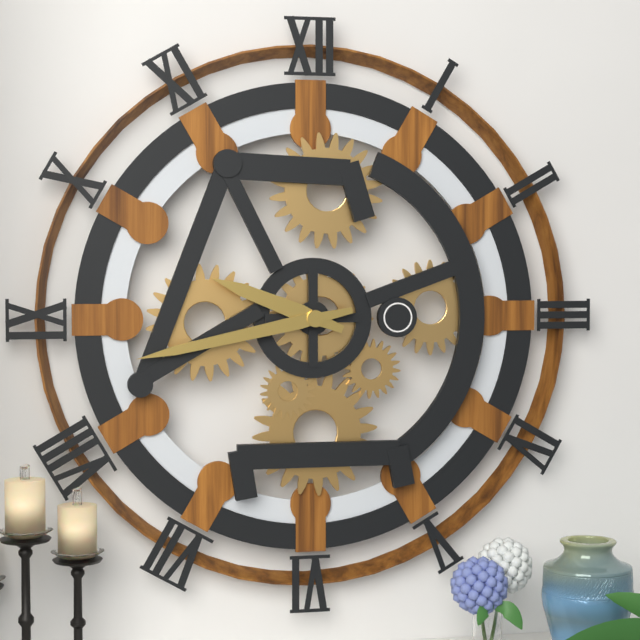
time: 9:43
